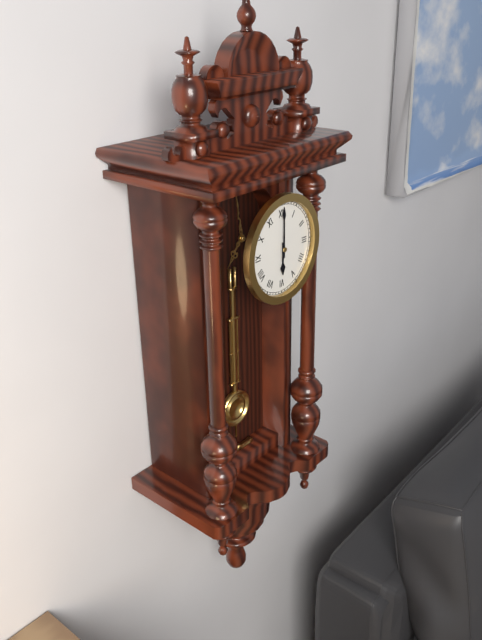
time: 6:00
